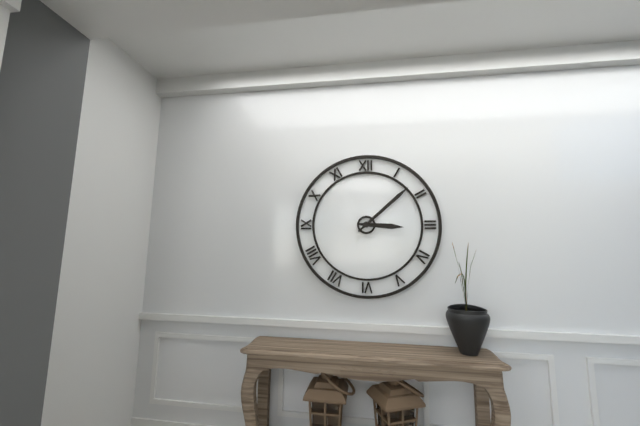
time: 3:08
